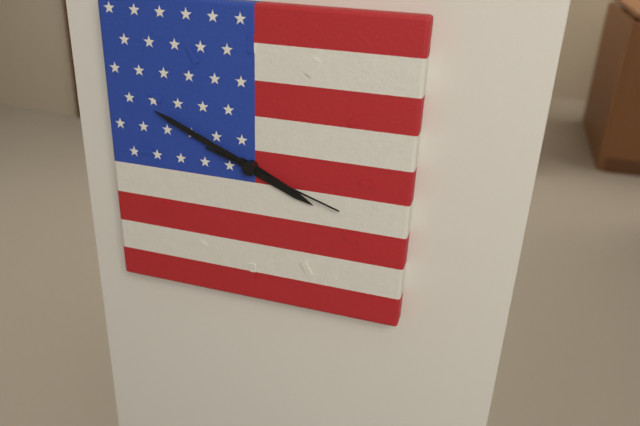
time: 3:49:18
